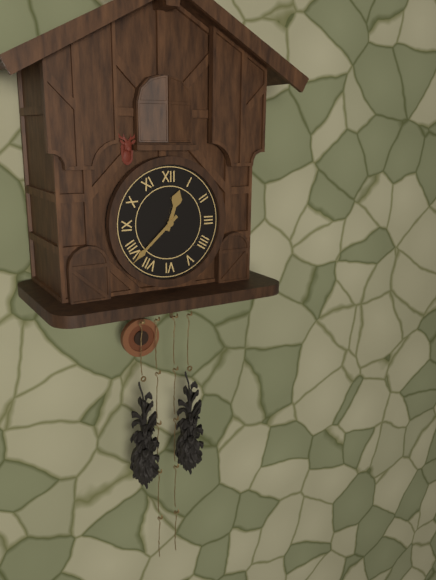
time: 12:38
